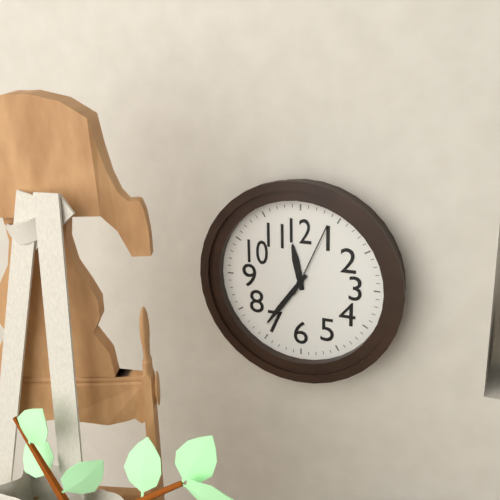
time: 11:36:04
